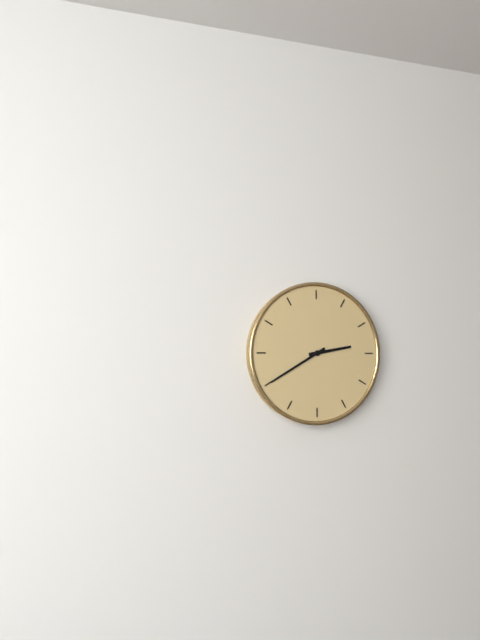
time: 2:40
